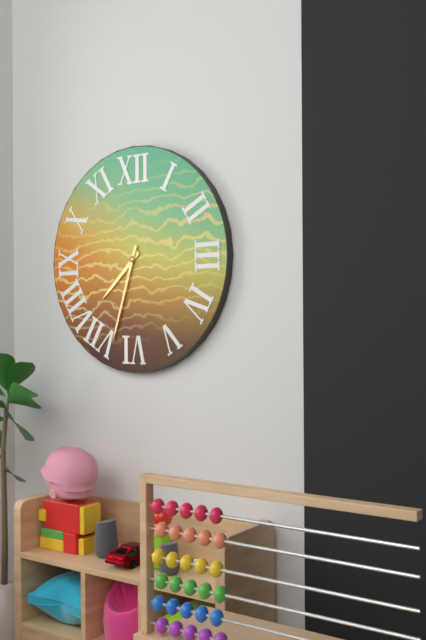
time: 7:33
